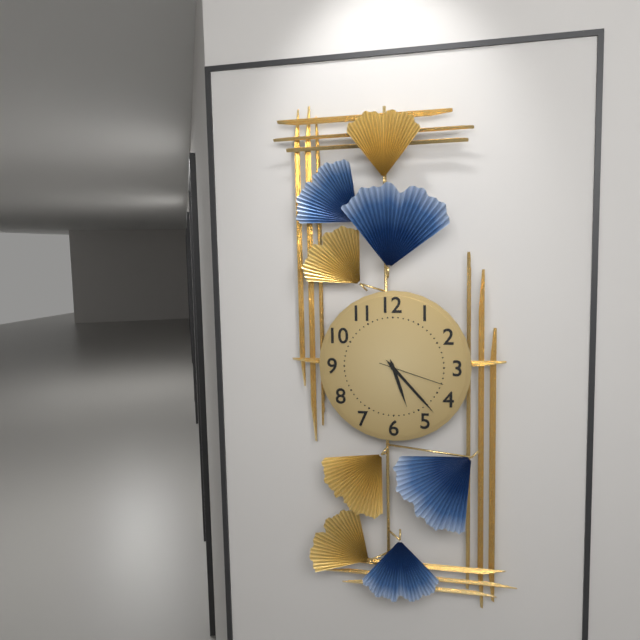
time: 5:23:18
